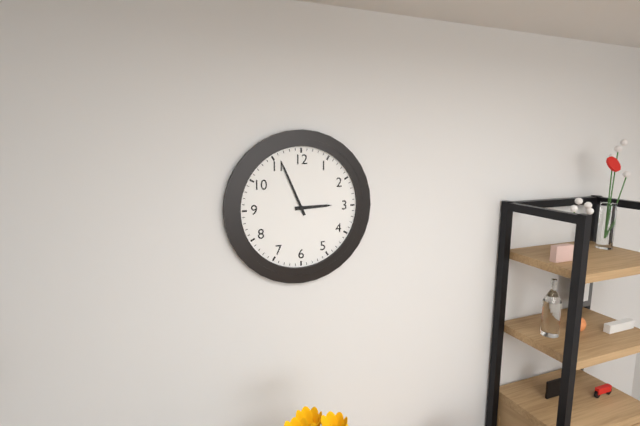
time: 2:56
